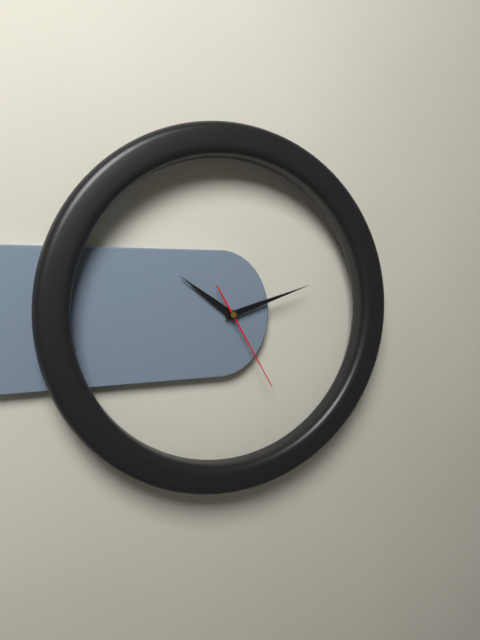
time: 10:12:25
